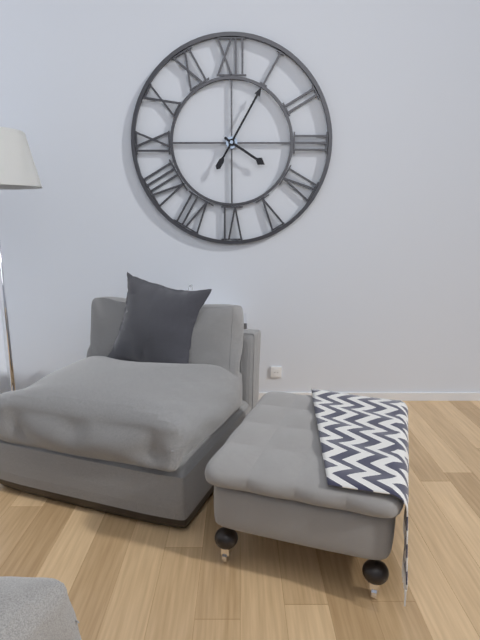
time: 4:05
